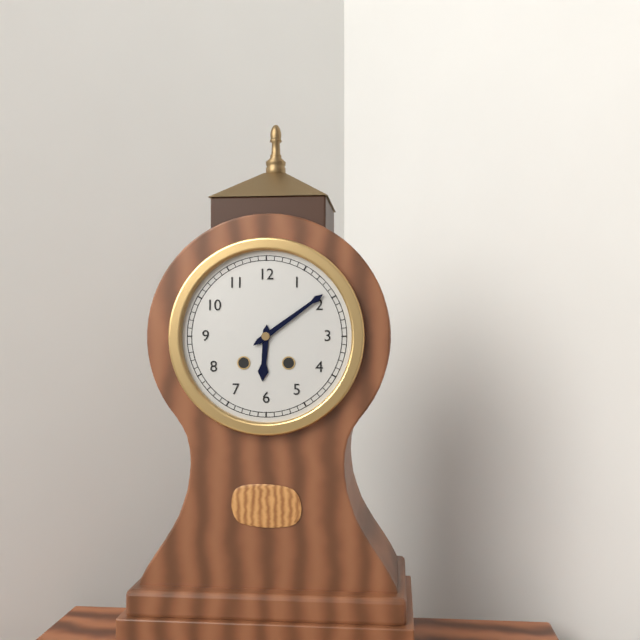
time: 6:09
